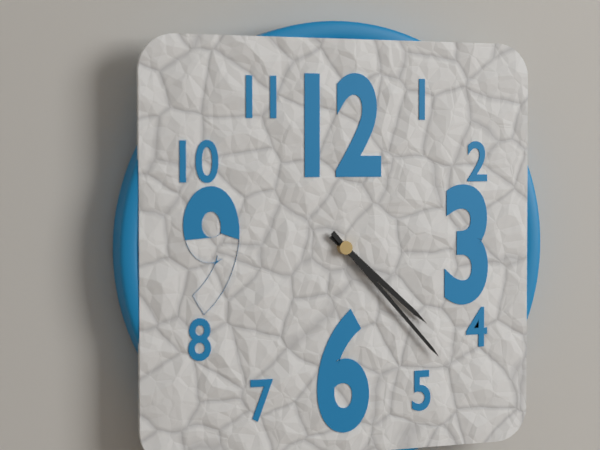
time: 4:23
